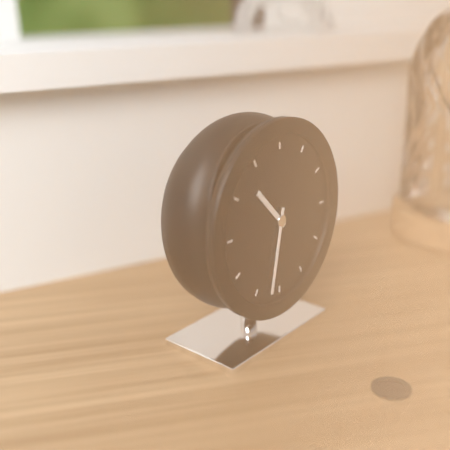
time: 10:32
